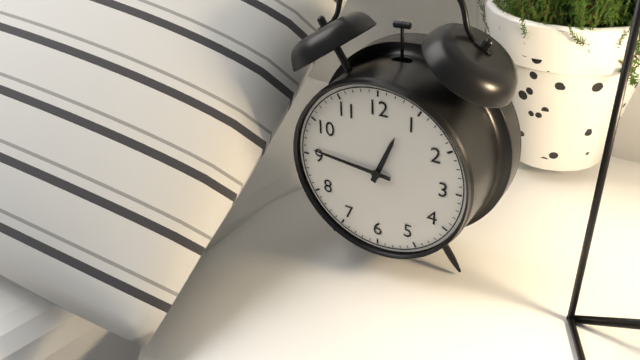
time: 12:46
